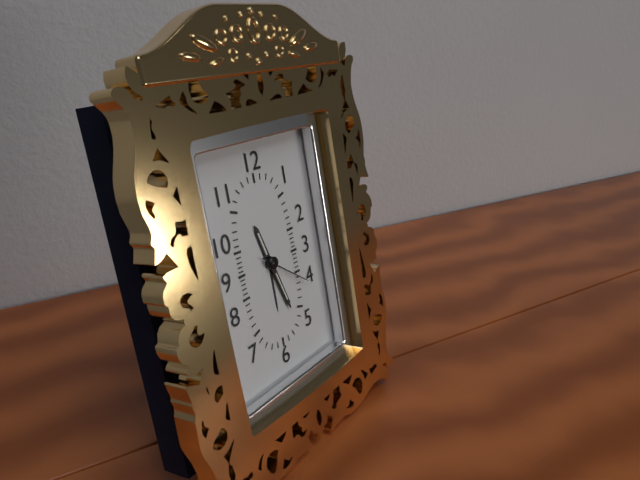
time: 11:27:21
